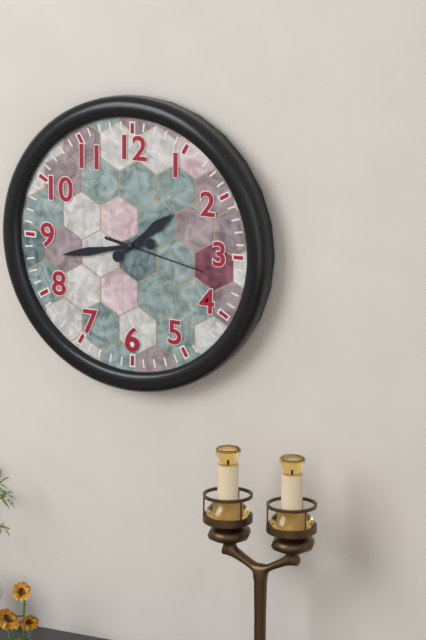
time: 1:43:17
